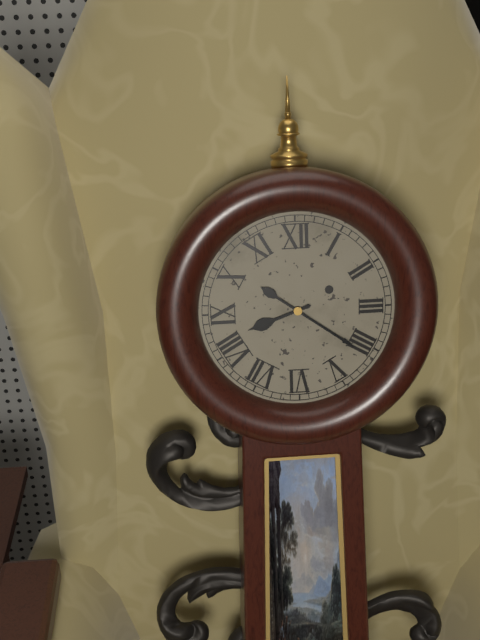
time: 8:21
